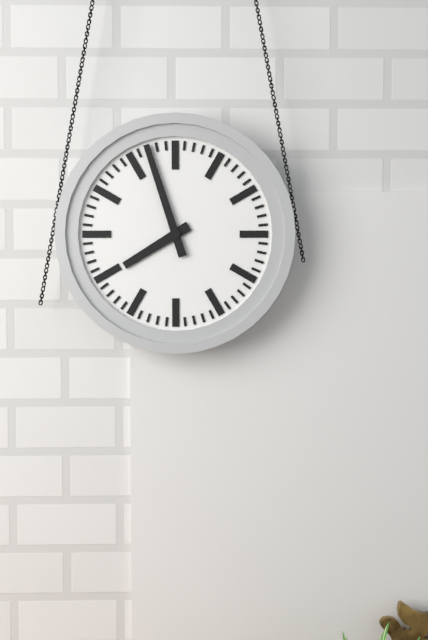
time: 7:57
